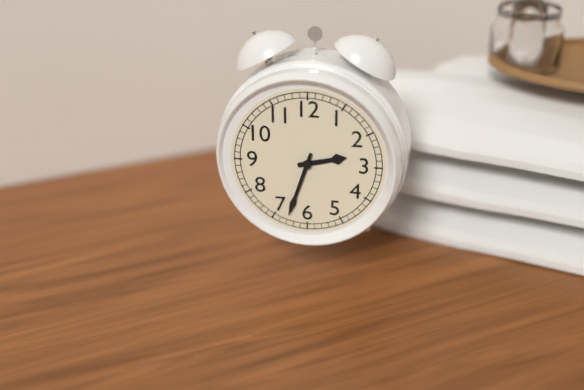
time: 2:33
